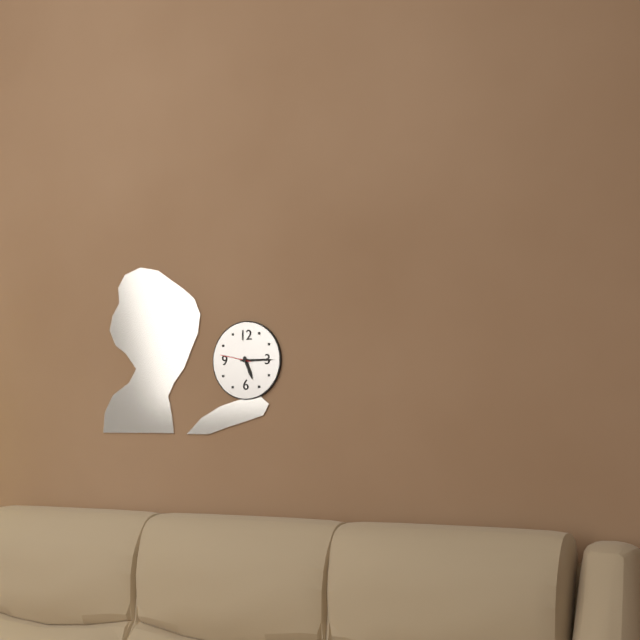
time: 5:15
